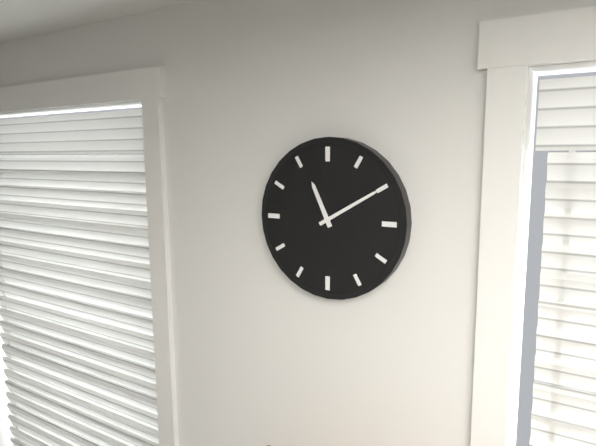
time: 11:10
